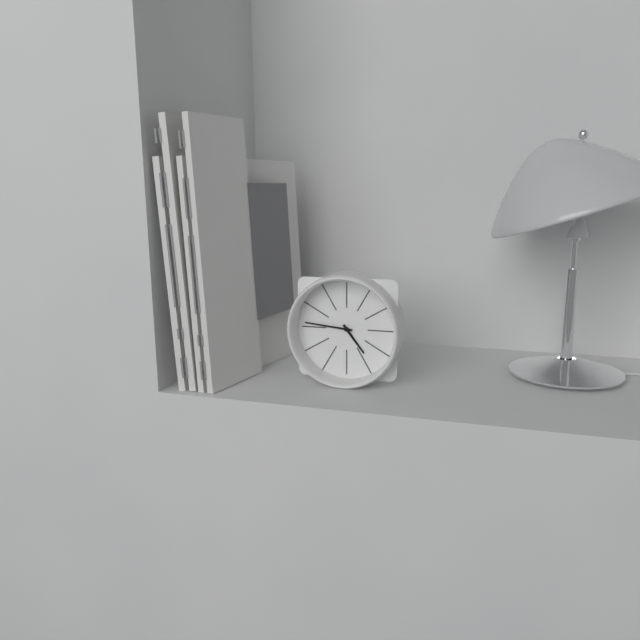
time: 4:46
